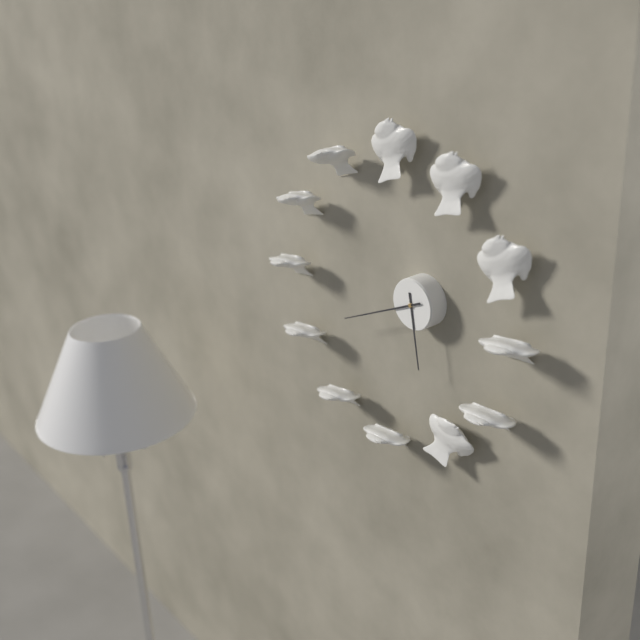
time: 5:41
